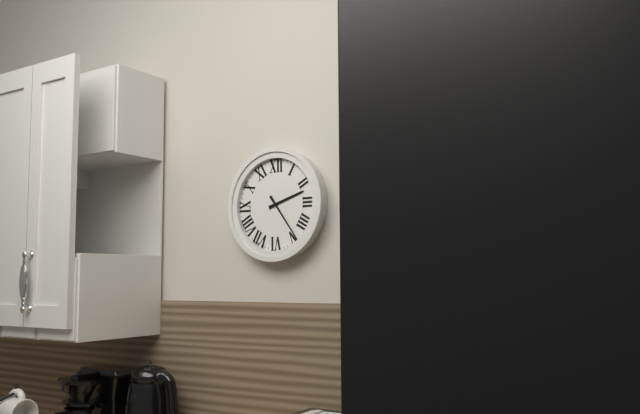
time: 2:24
